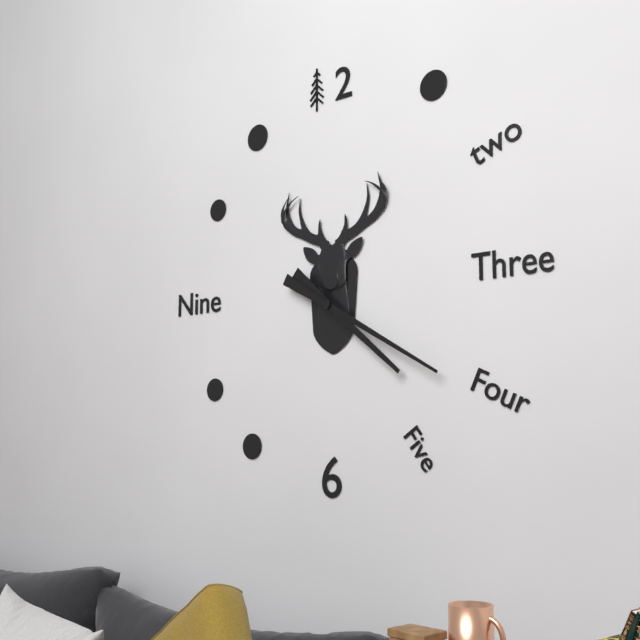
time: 4:20
